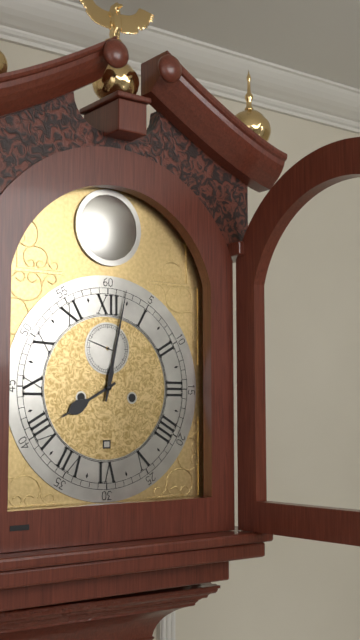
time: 8:02
